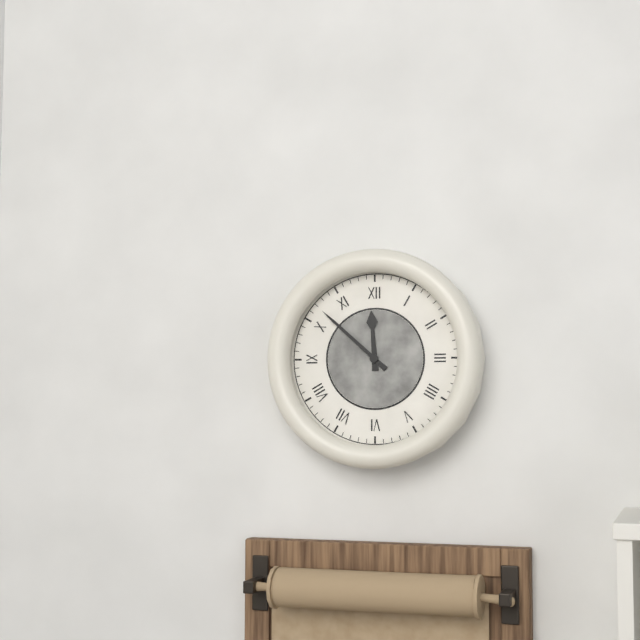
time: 11:52
